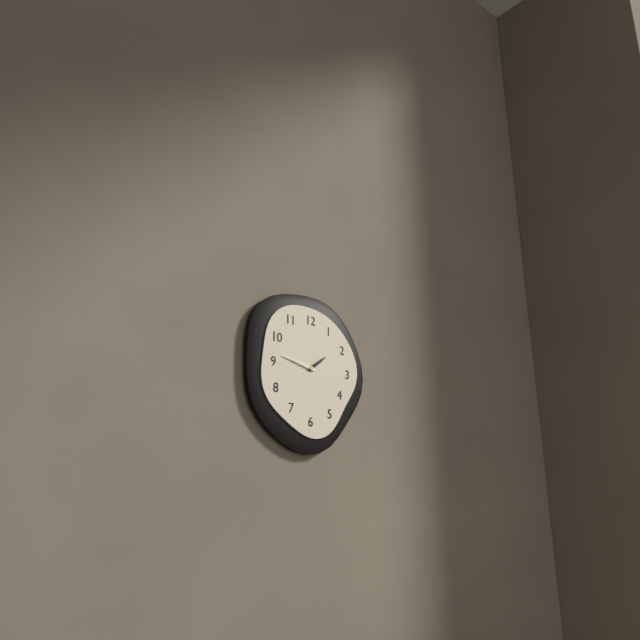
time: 1:47
